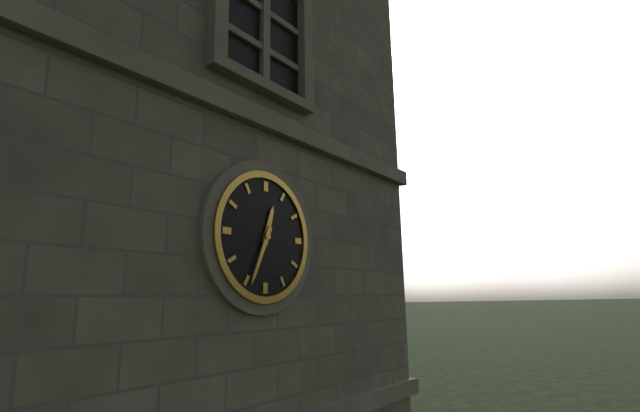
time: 12:34
